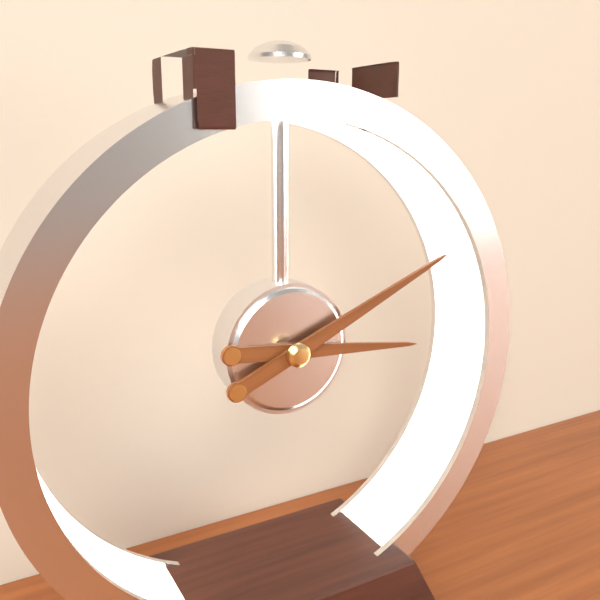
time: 3:11
